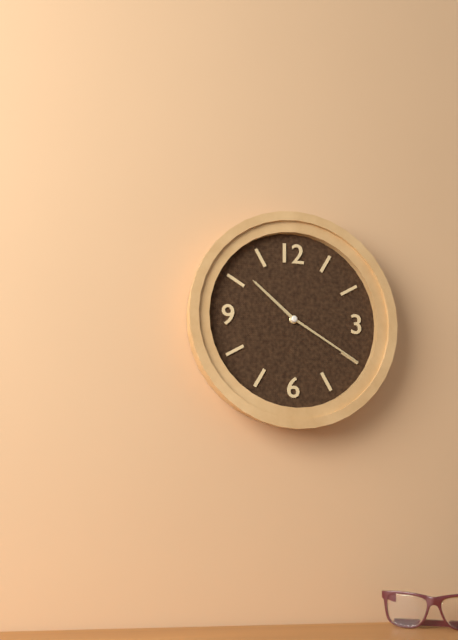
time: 10:20
